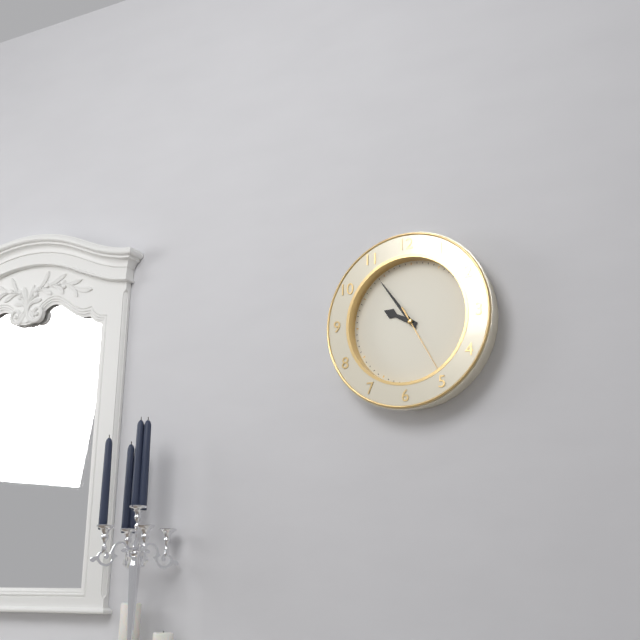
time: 9:54:25
